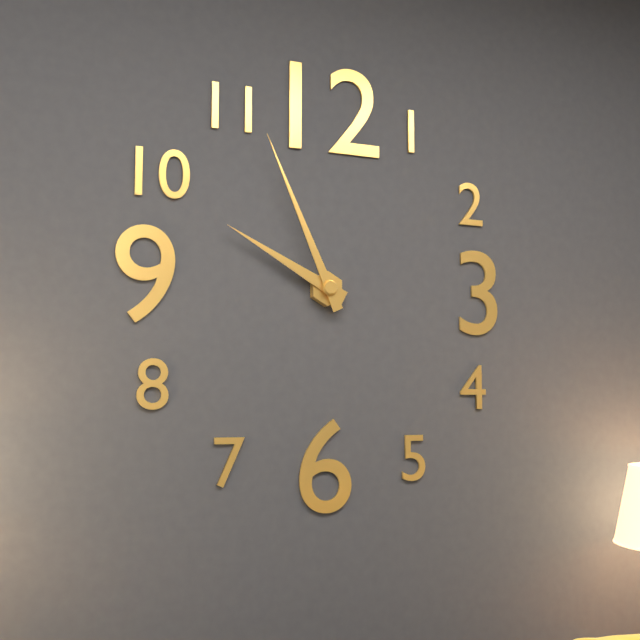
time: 9:56
